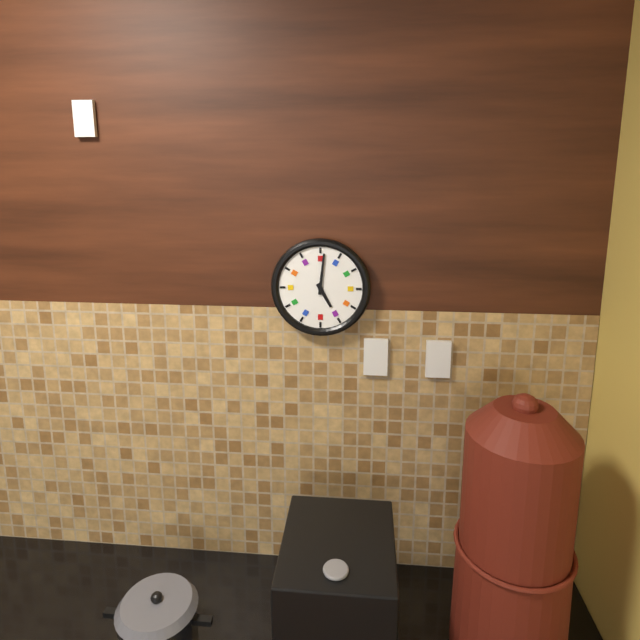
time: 5:01
